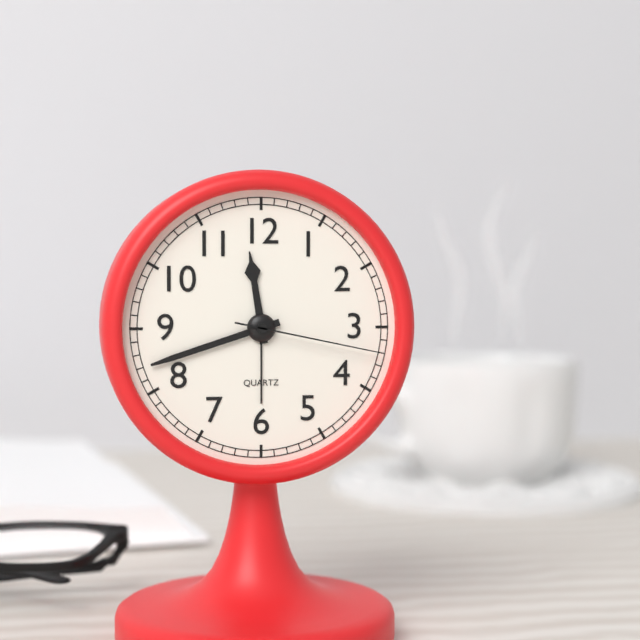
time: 11:42:17
